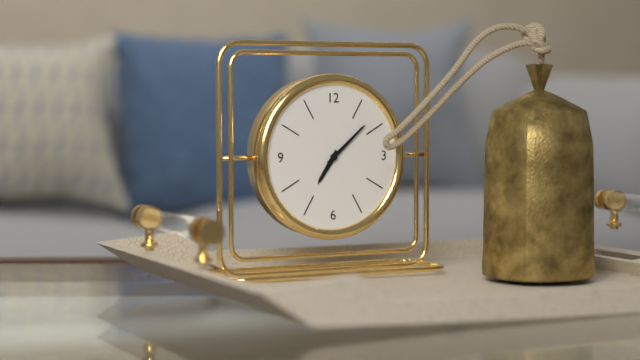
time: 7:08
